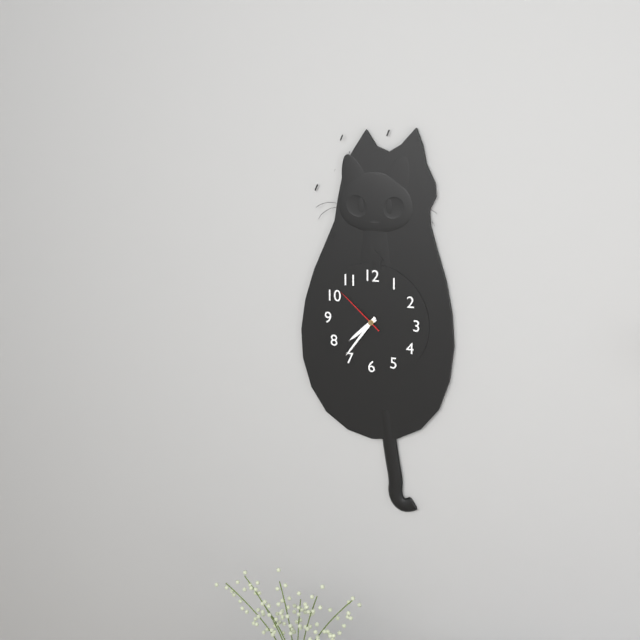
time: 7:36:52
